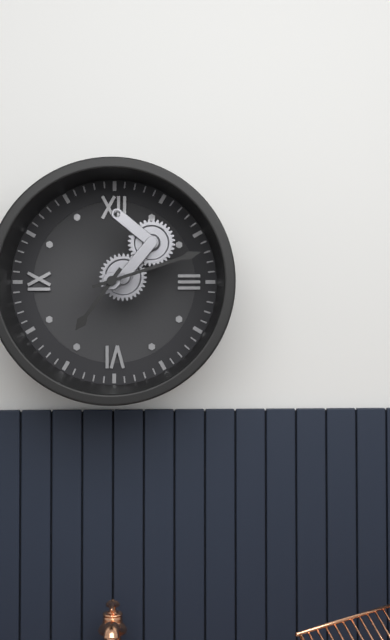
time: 7:12
